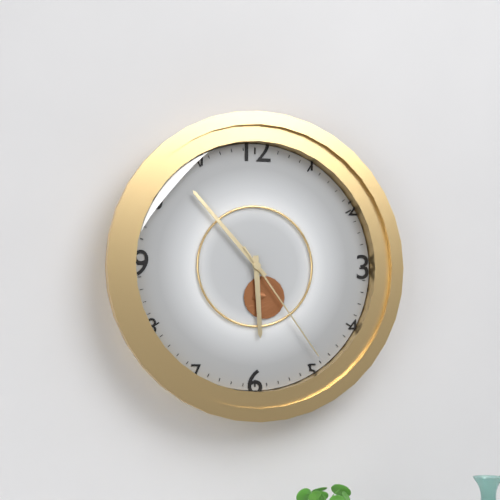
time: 5:53:24
